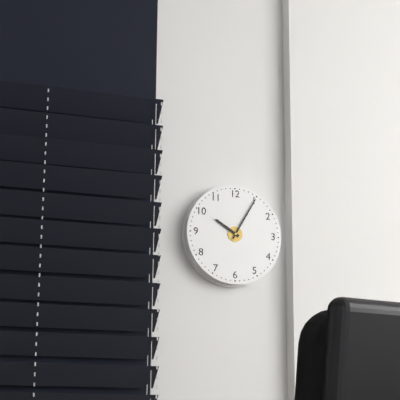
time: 10:05
